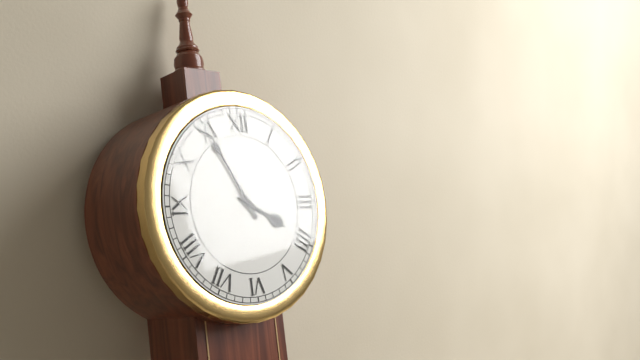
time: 3:55
